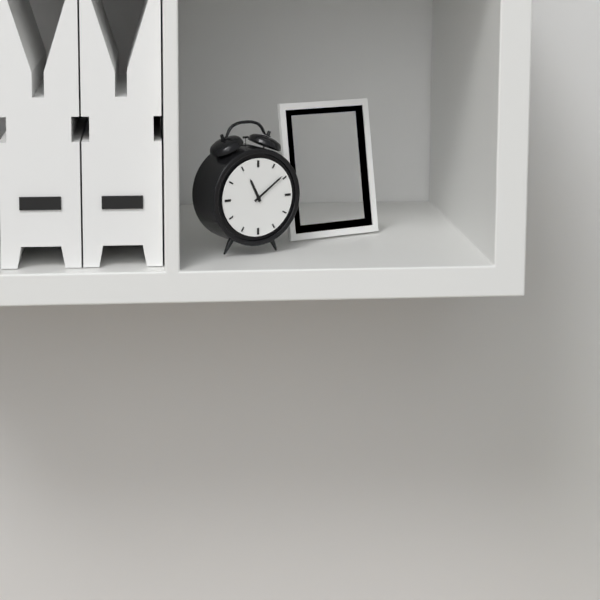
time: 11:09
